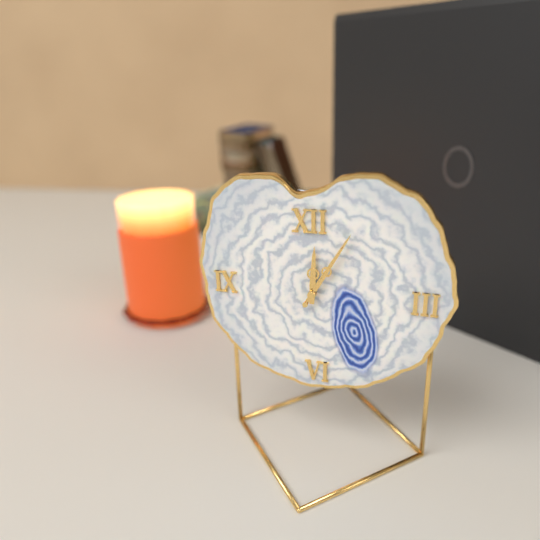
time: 12:05:05
